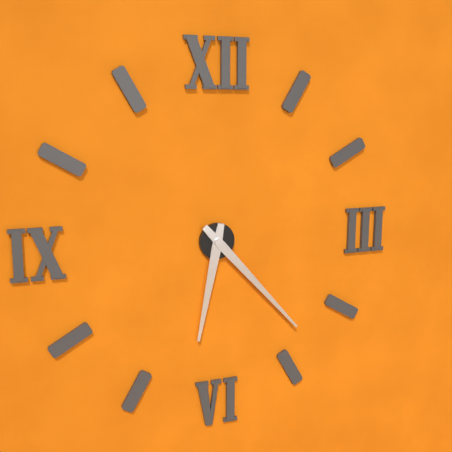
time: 6:23
